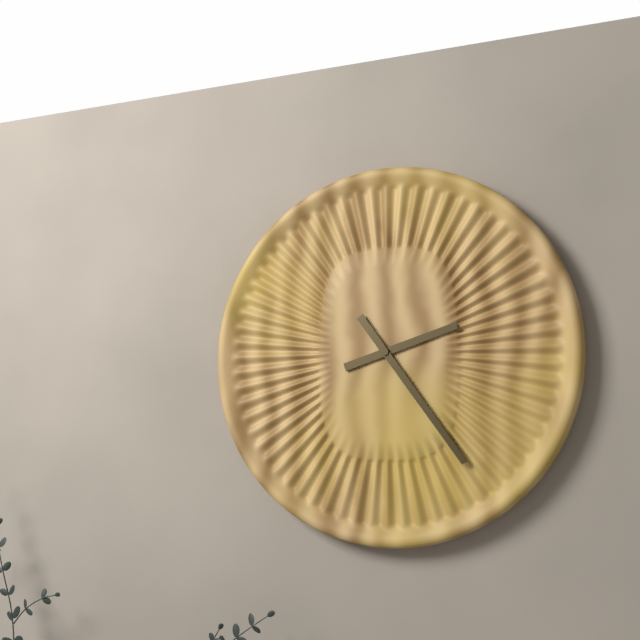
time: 2:24
